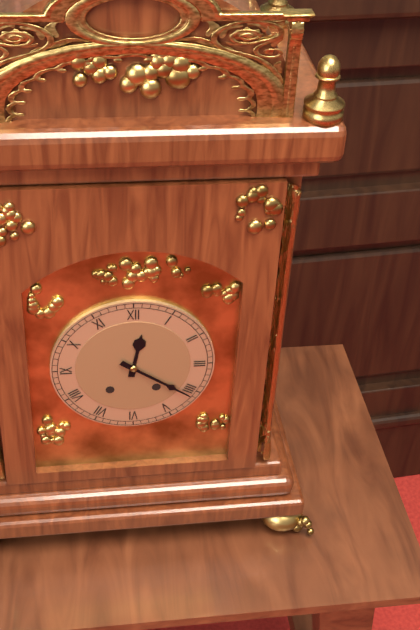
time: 12:21
